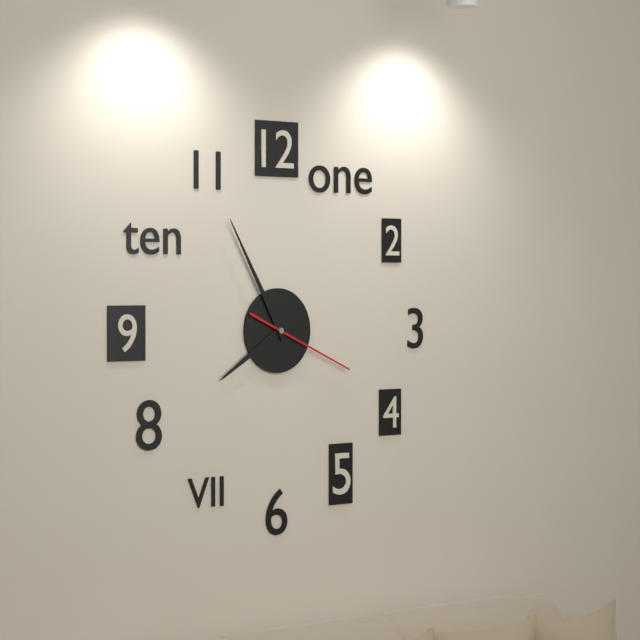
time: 7:55:19
